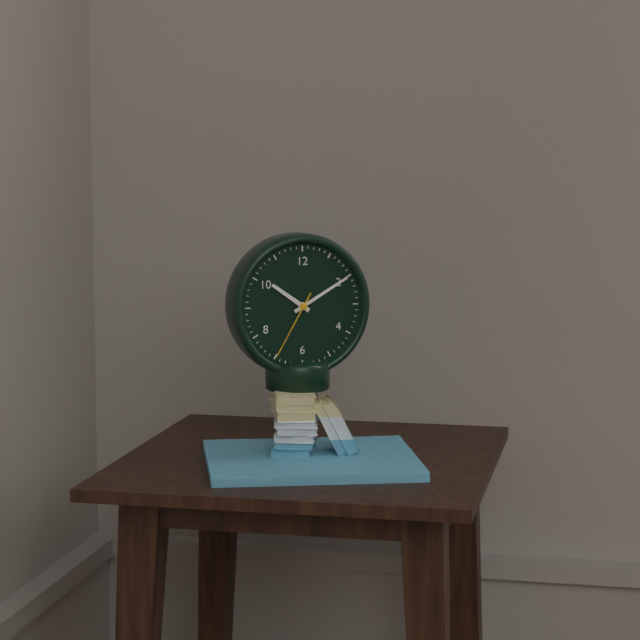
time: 10:10:35
